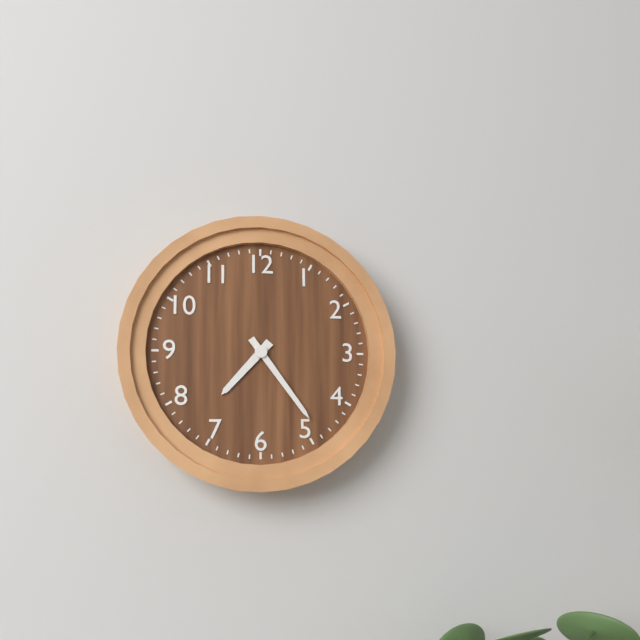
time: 7:24
